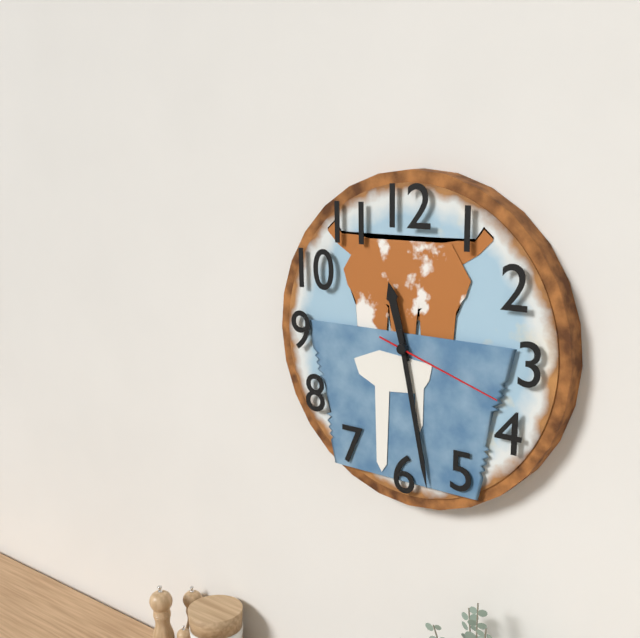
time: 11:28:18
